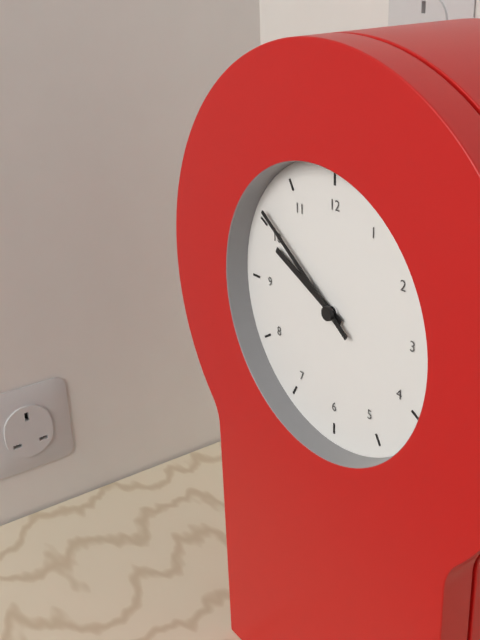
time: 9:51
